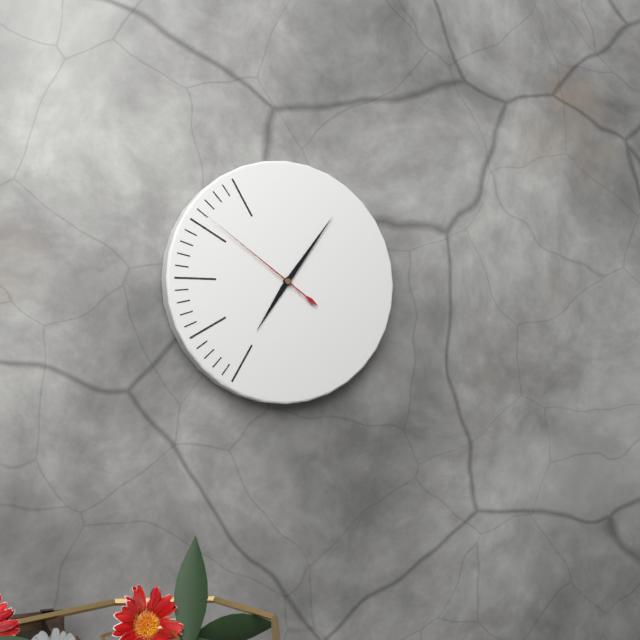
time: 7:06:51
